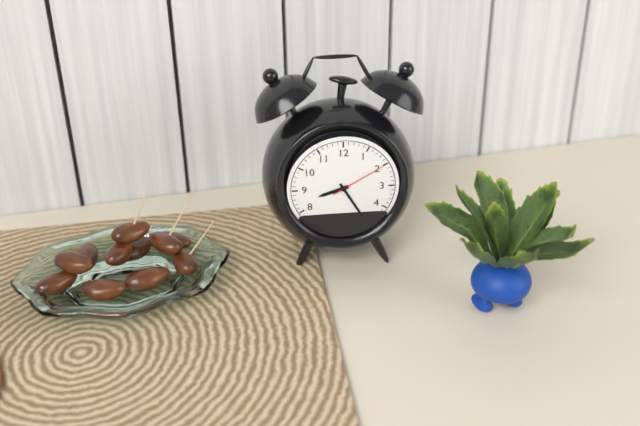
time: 8:25:10
